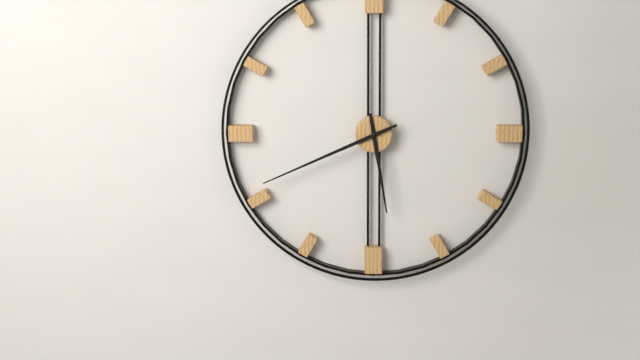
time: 5:41
